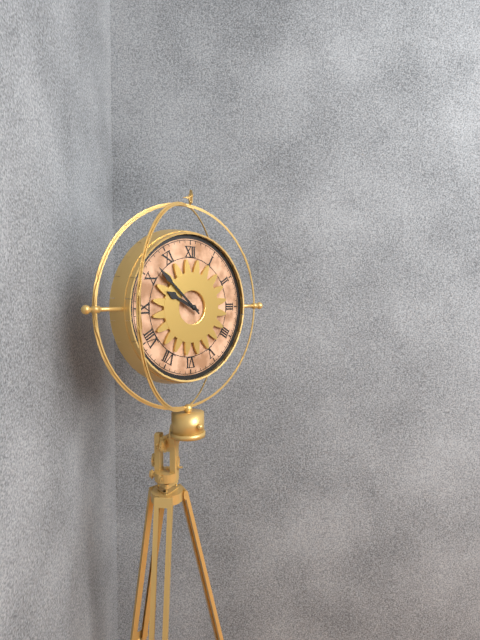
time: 9:52
